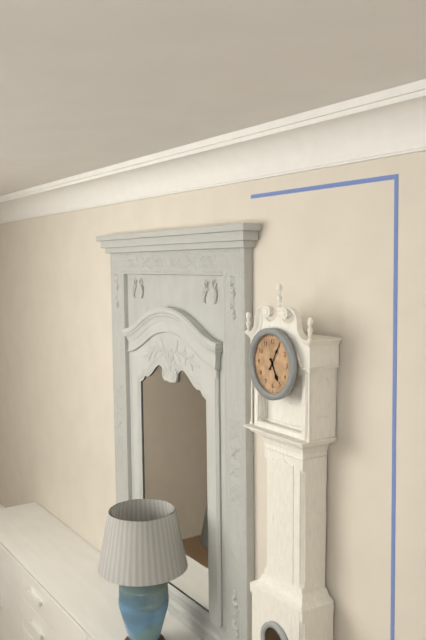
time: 5:05
